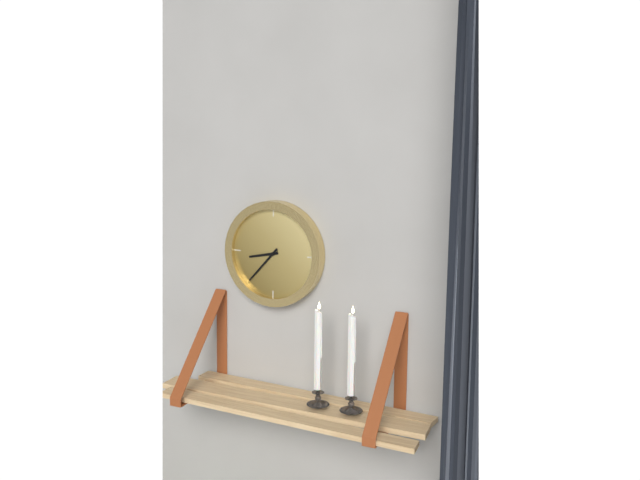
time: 8:37
